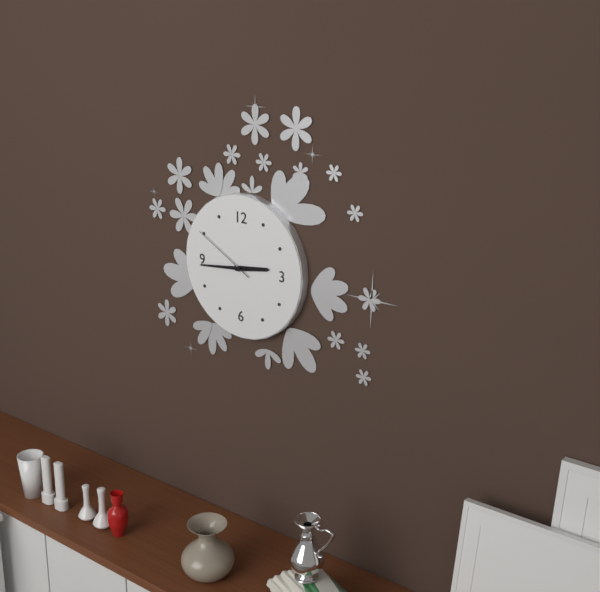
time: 2:44:50
